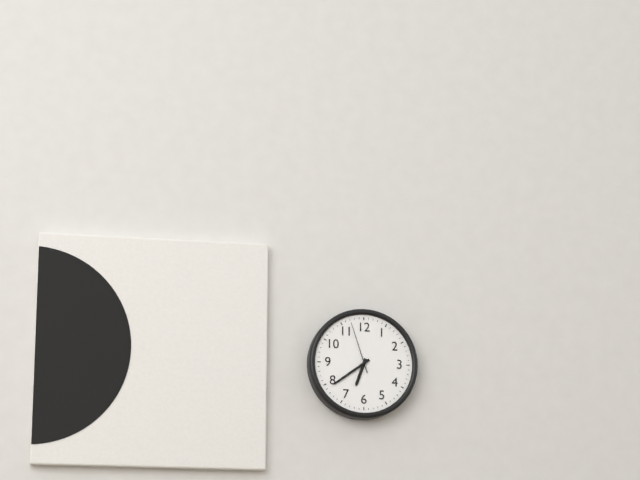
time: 6:39:57
